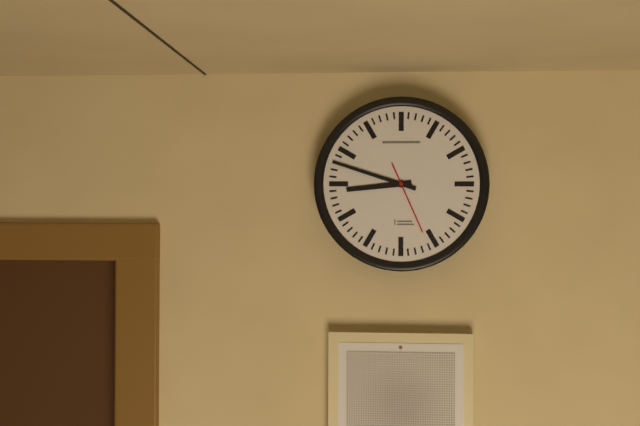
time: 8:48:26
